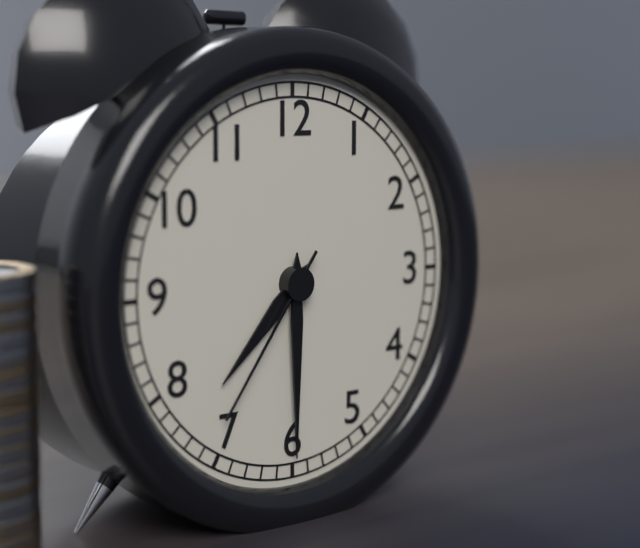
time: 7:30:36
